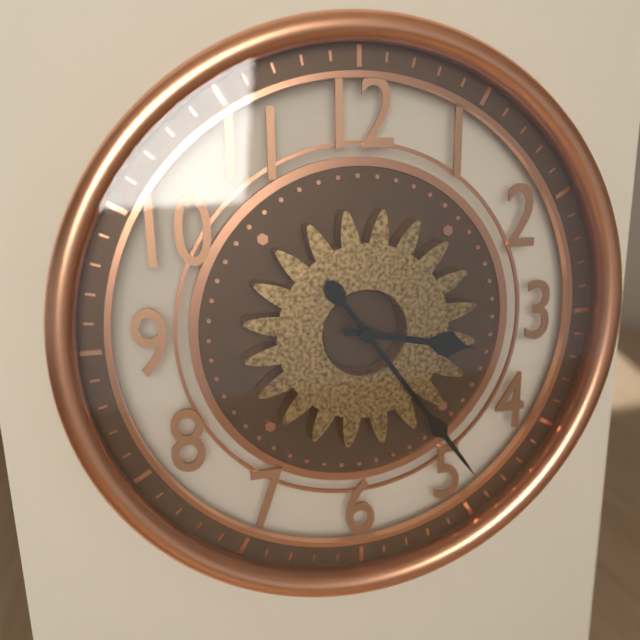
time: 3:24
